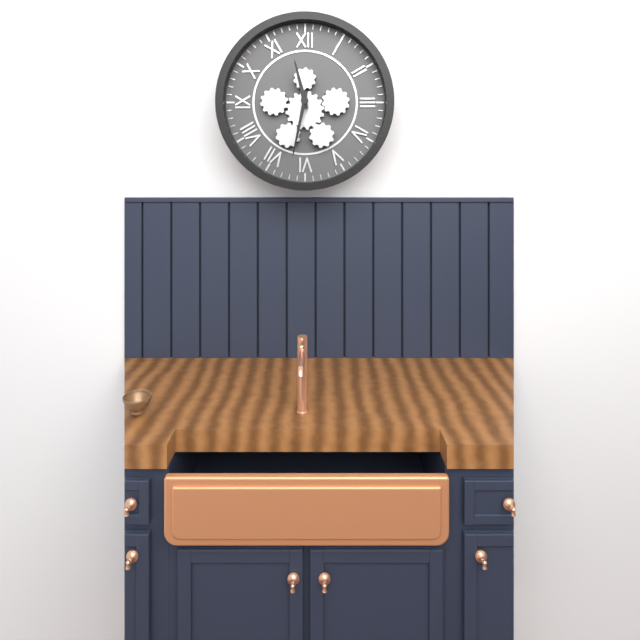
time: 11:32
